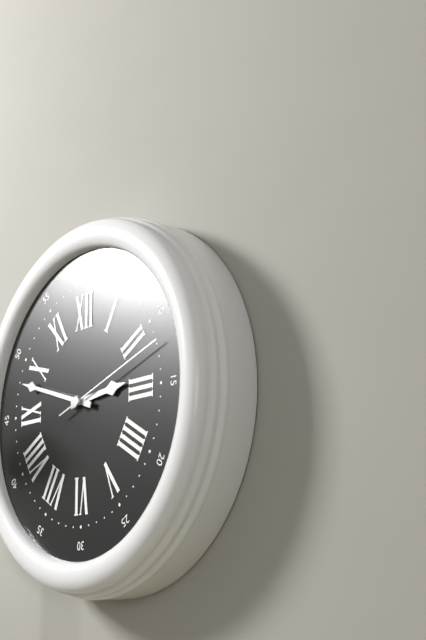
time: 2:48:12
